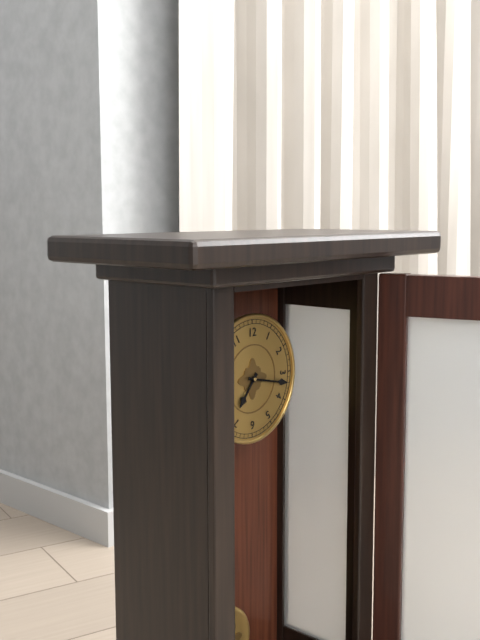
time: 7:17
